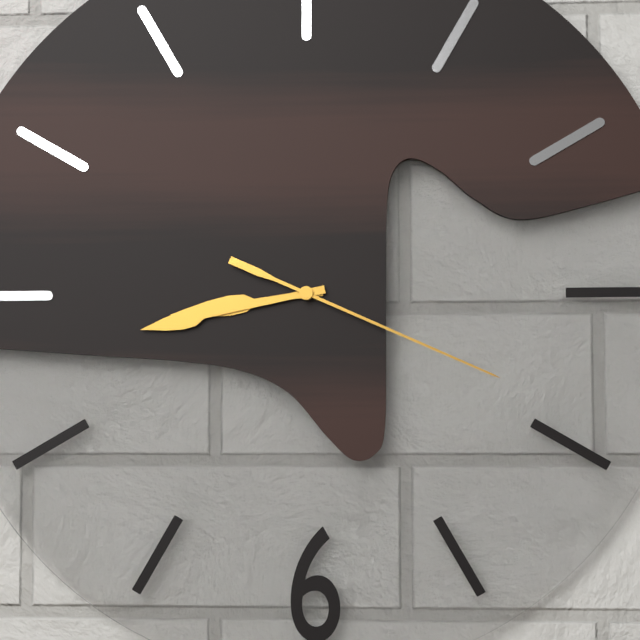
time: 8:43:19
